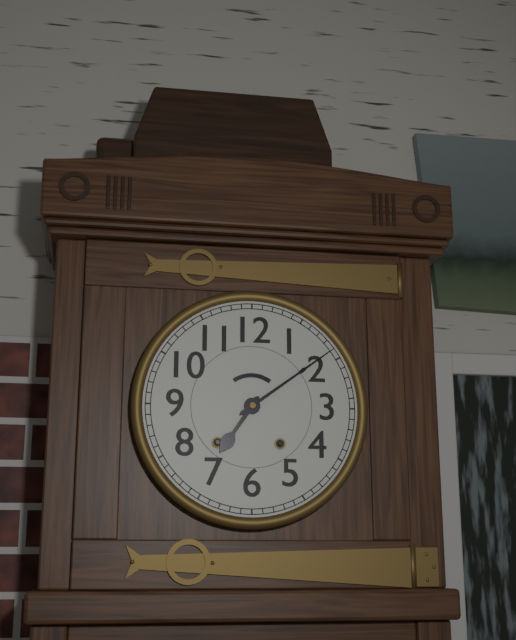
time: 7:09
